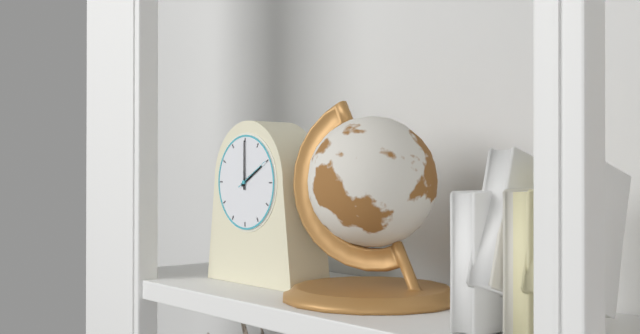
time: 2:00
